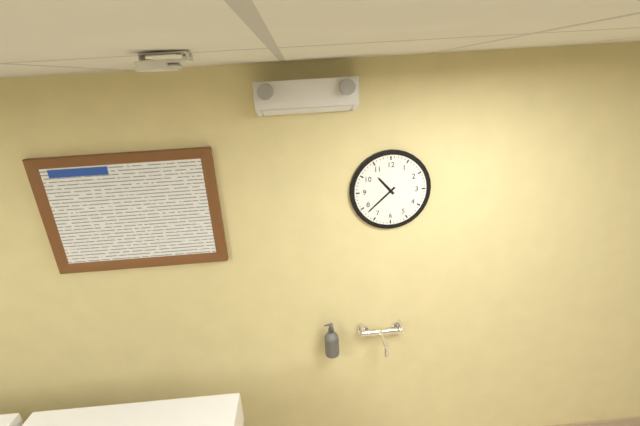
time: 10:38
